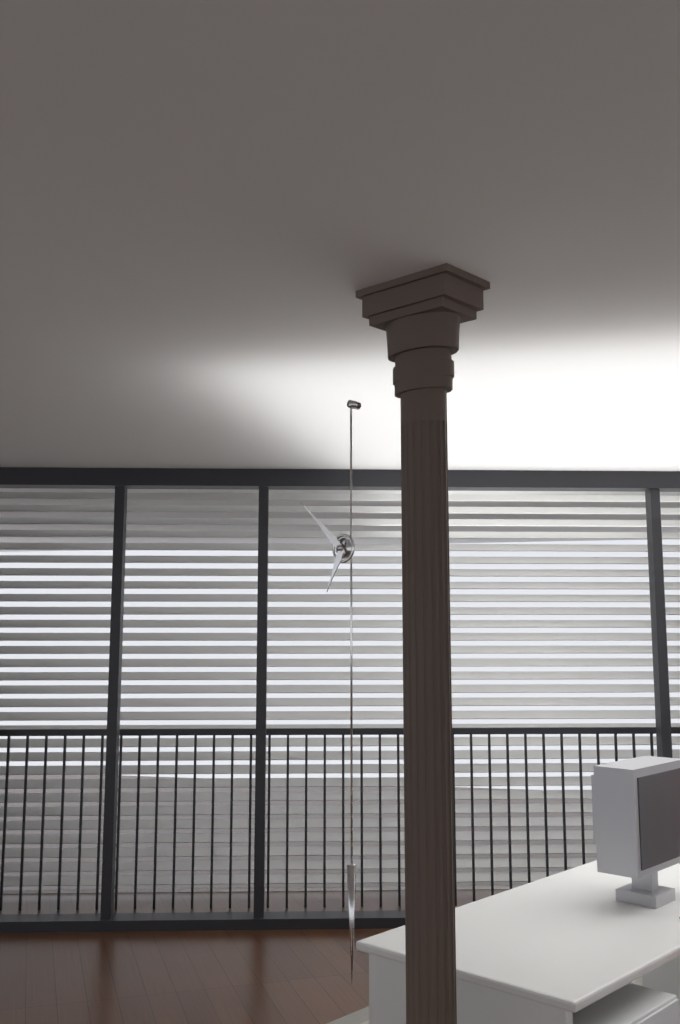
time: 6:52
